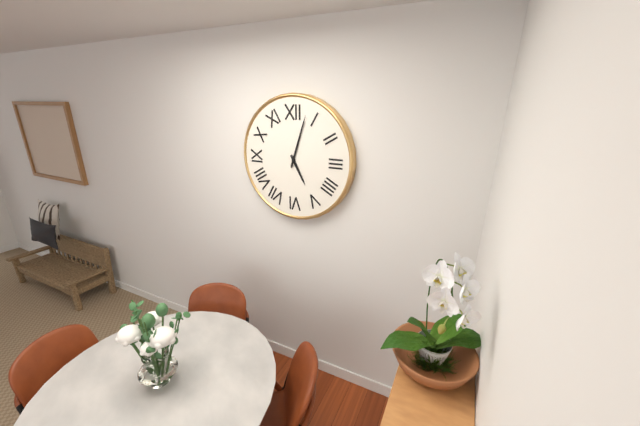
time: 5:03
